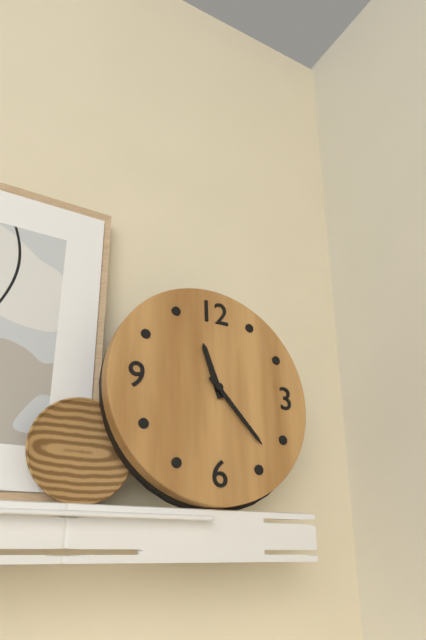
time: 11:23
